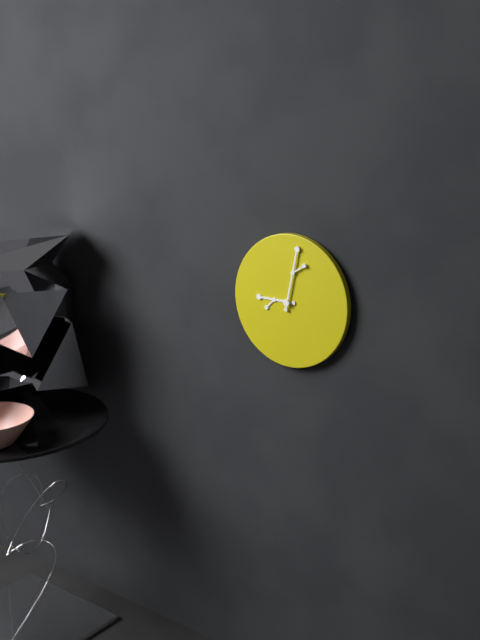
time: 9:02
